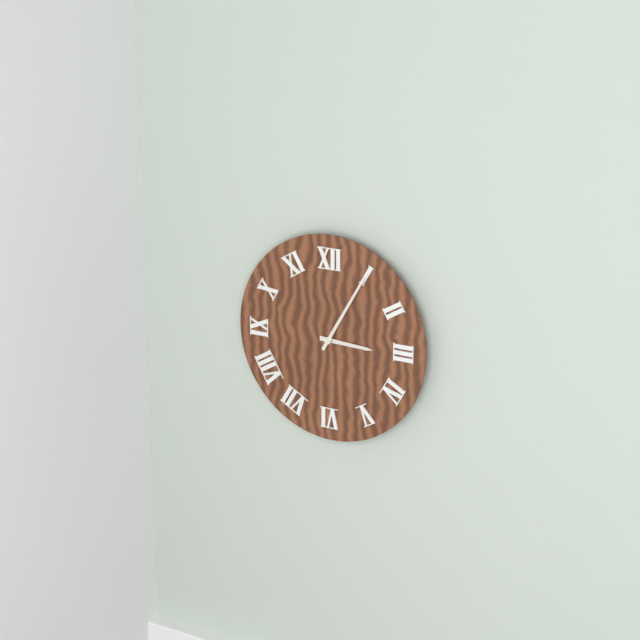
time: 3:05
